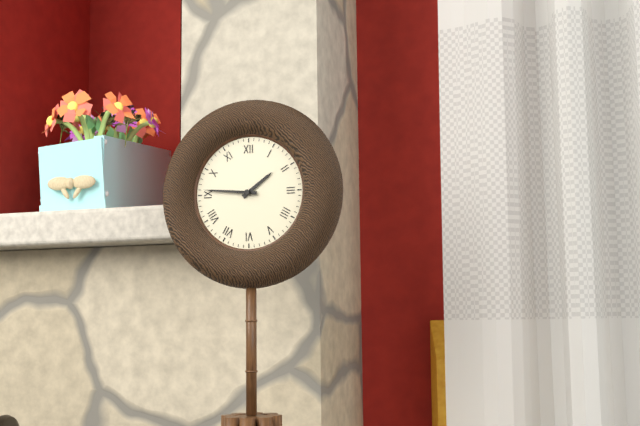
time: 1:46
